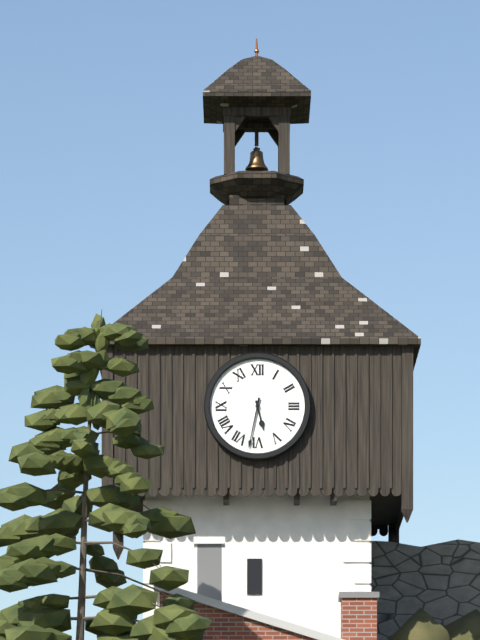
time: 5:32
